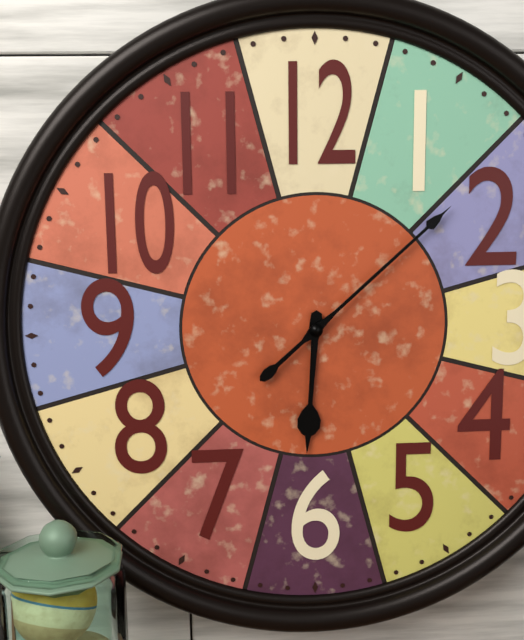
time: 6:08
